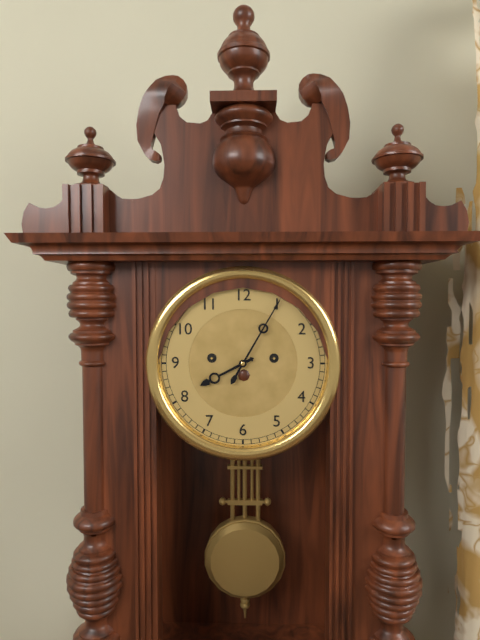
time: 8:05
